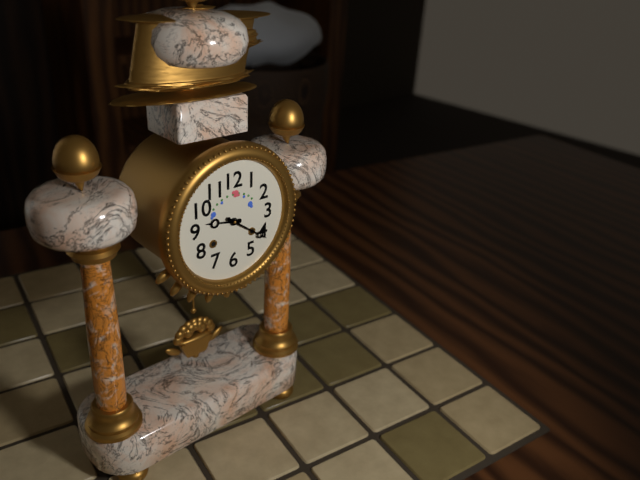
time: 9:21
